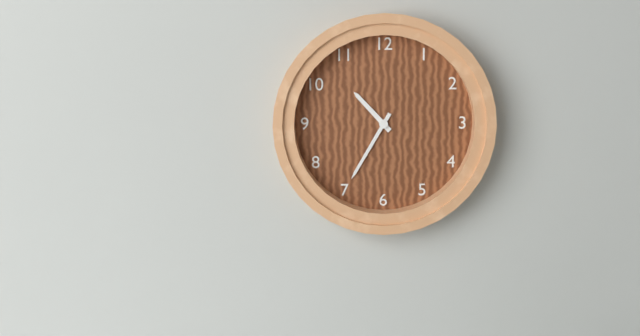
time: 10:35
